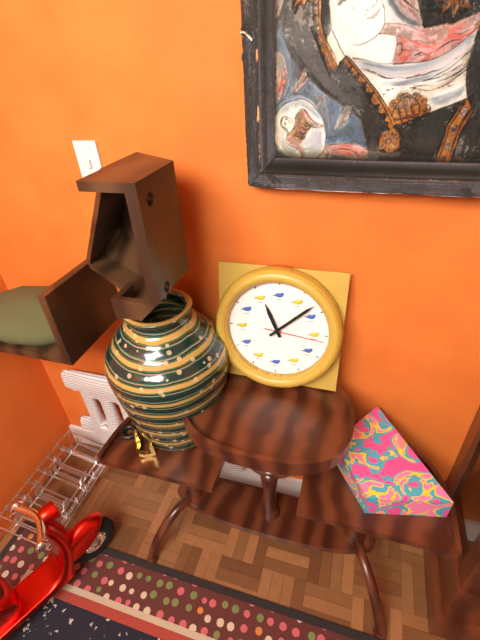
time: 11:08:16
